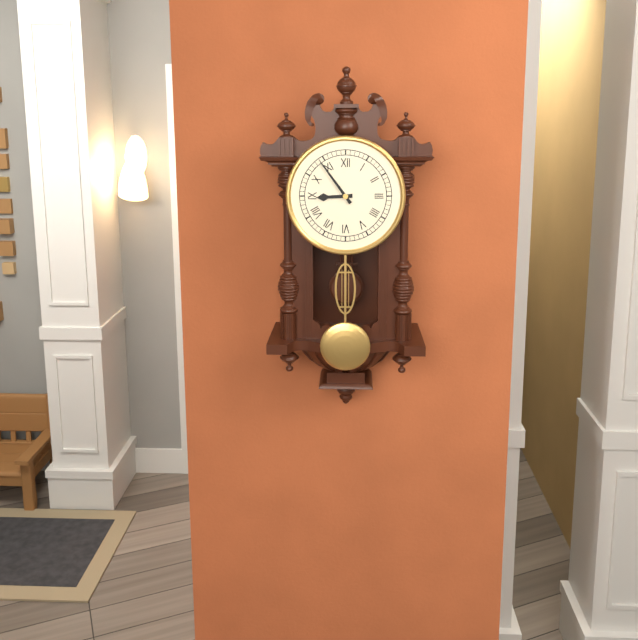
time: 8:54
